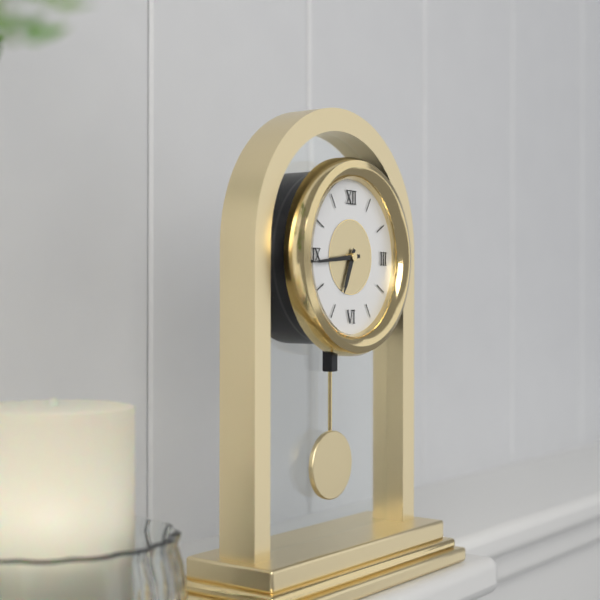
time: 6:44
